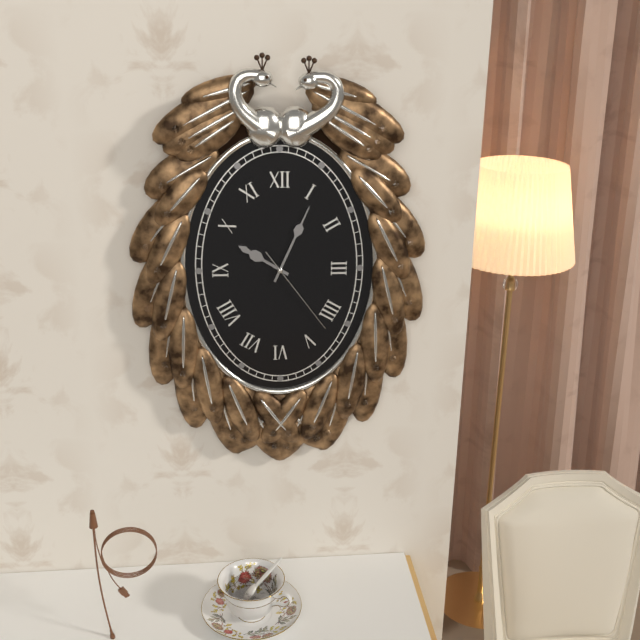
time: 10:04:24
